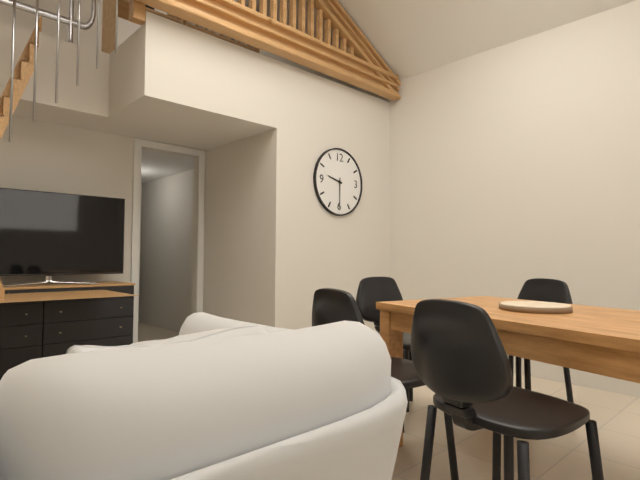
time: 9:30
